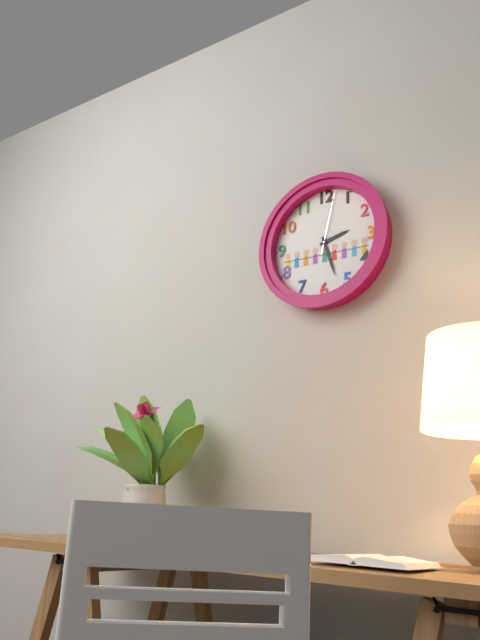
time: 2:27:02
